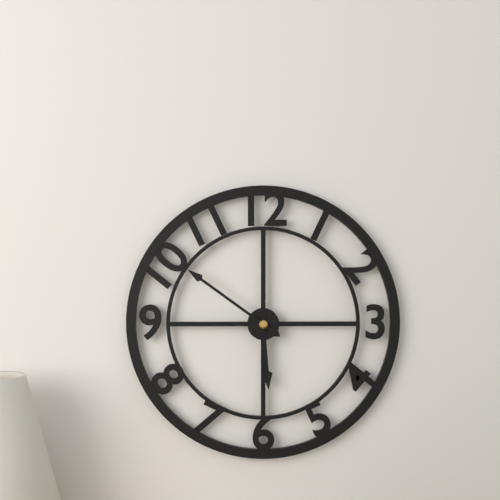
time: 5:51
